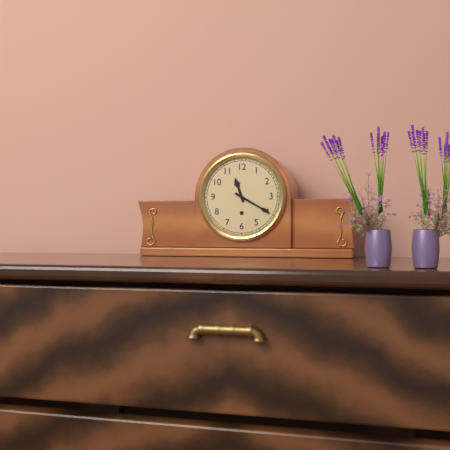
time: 11:20
